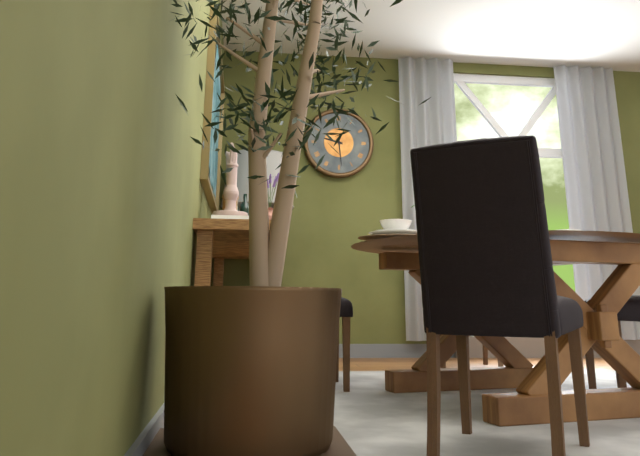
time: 9:29
